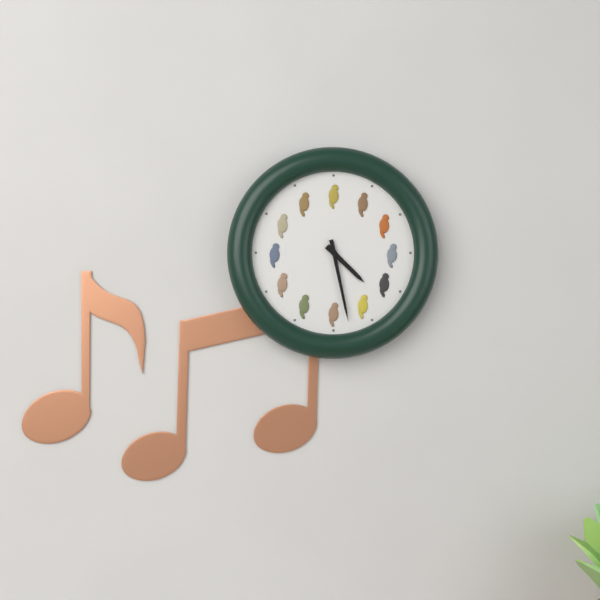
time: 4:28
